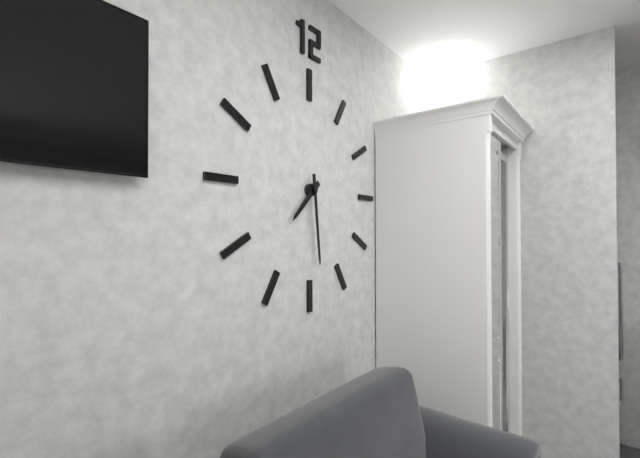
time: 7:29
